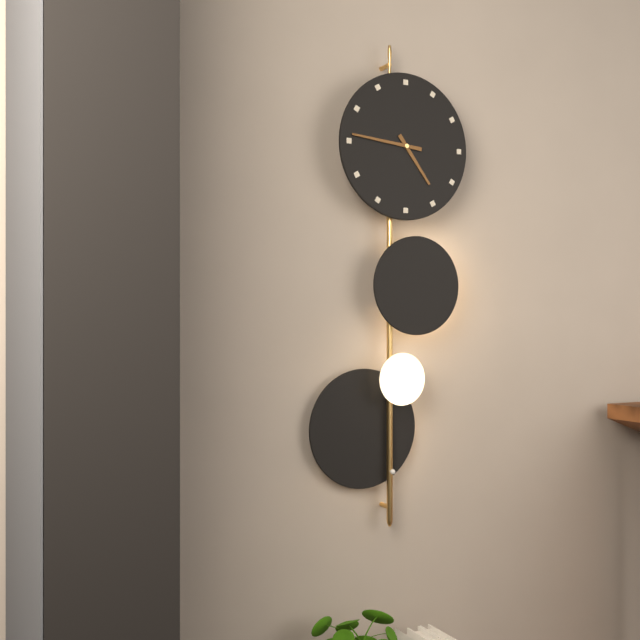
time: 4:46
